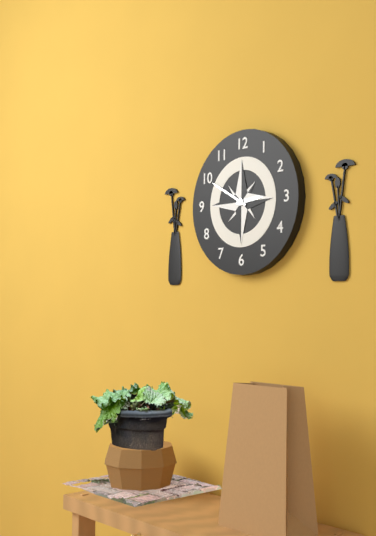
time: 2:50
